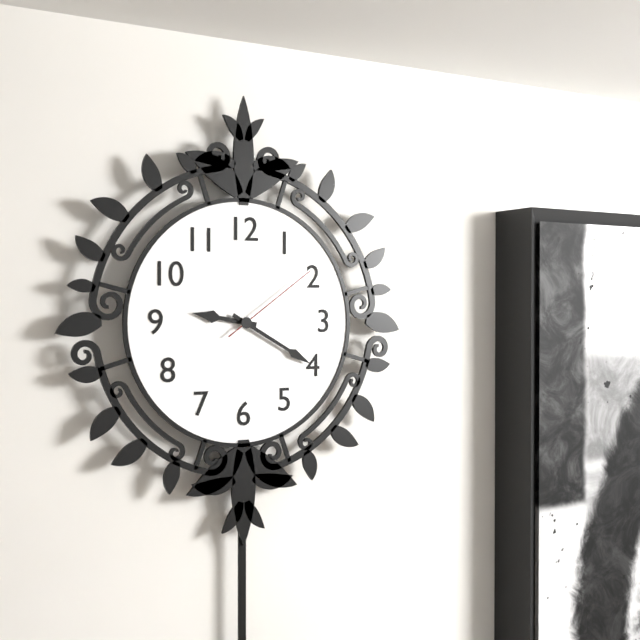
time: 9:20:09
